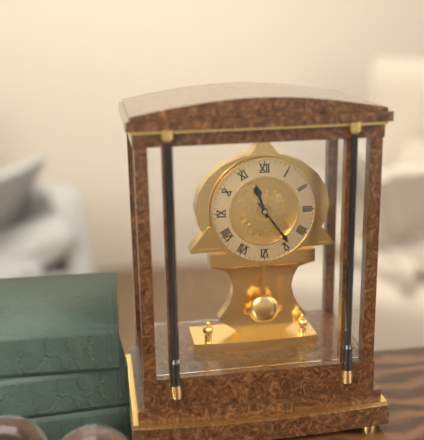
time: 11:24
